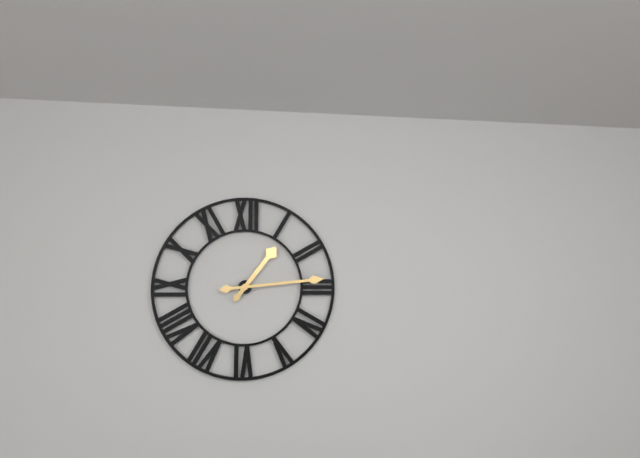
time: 1:14
